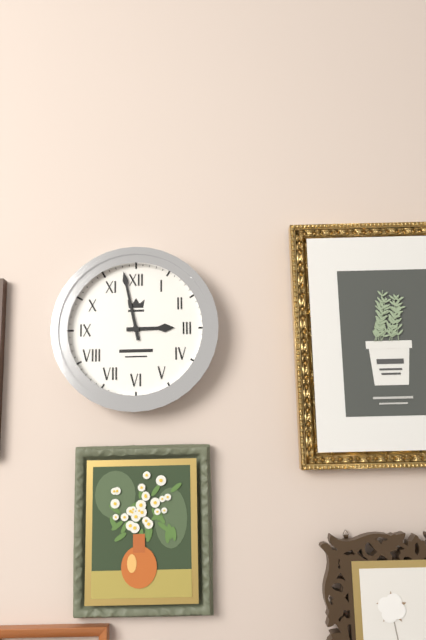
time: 2:58
